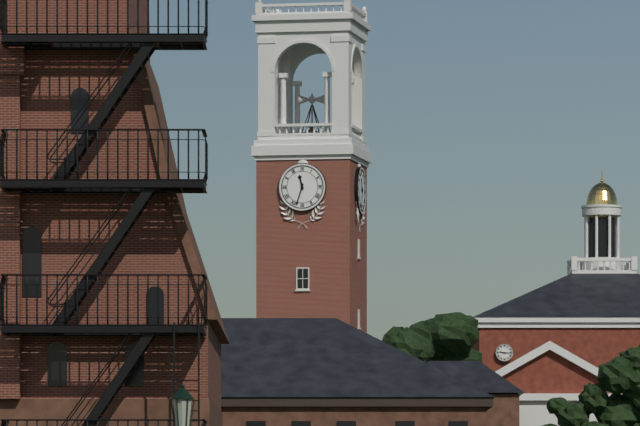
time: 11:33
